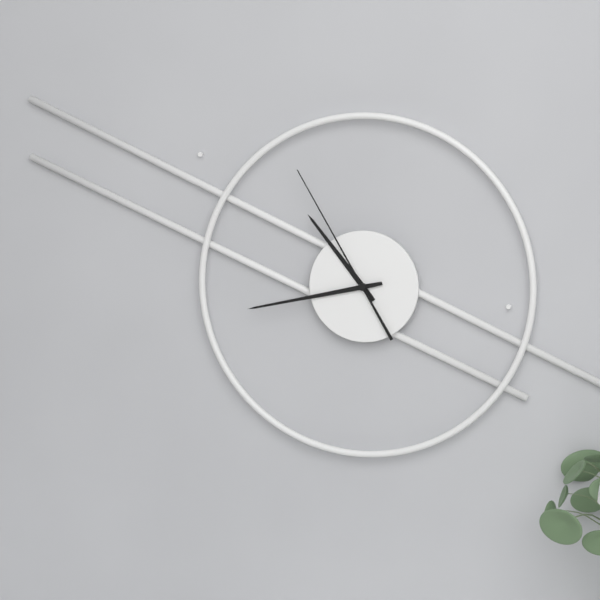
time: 10:43:55
